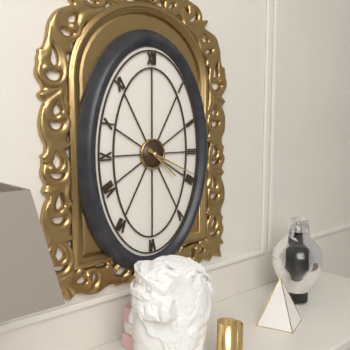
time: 4:19
